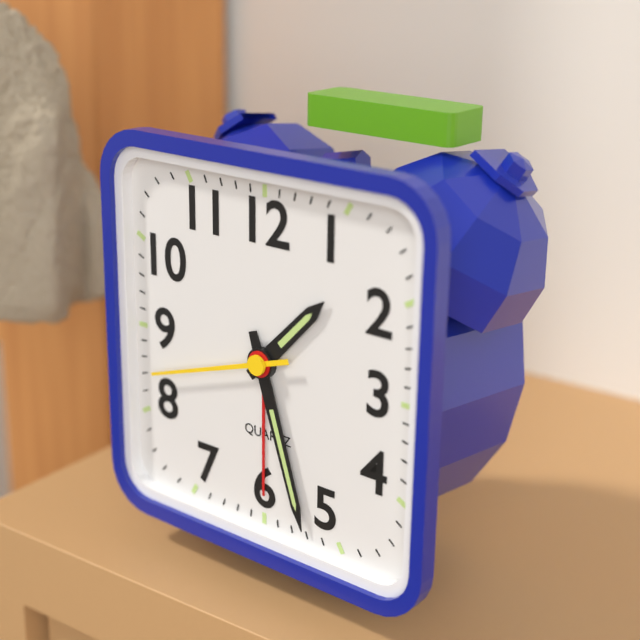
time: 1:27:42
